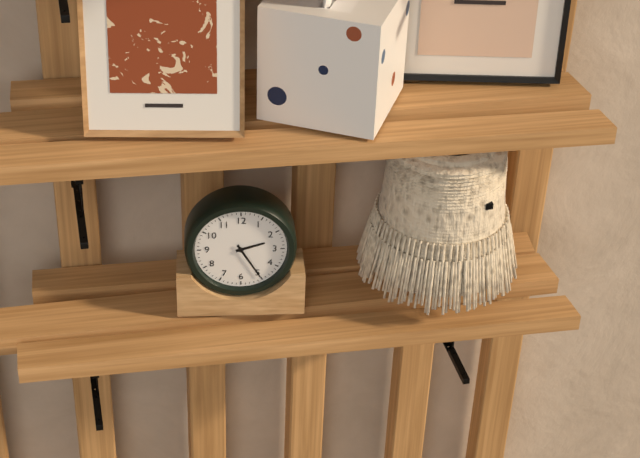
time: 2:25
